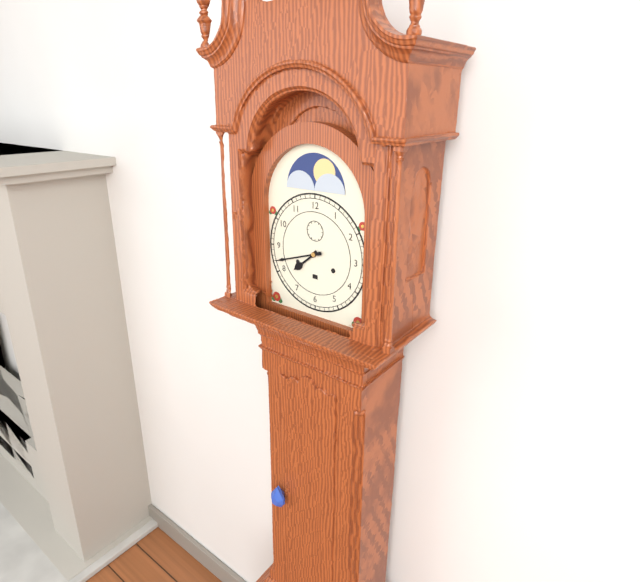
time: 7:42
